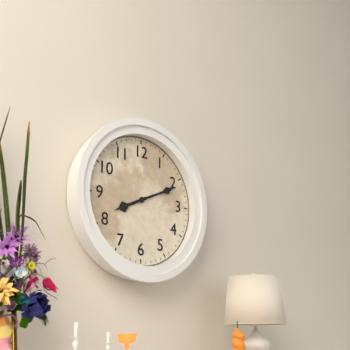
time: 8:11
